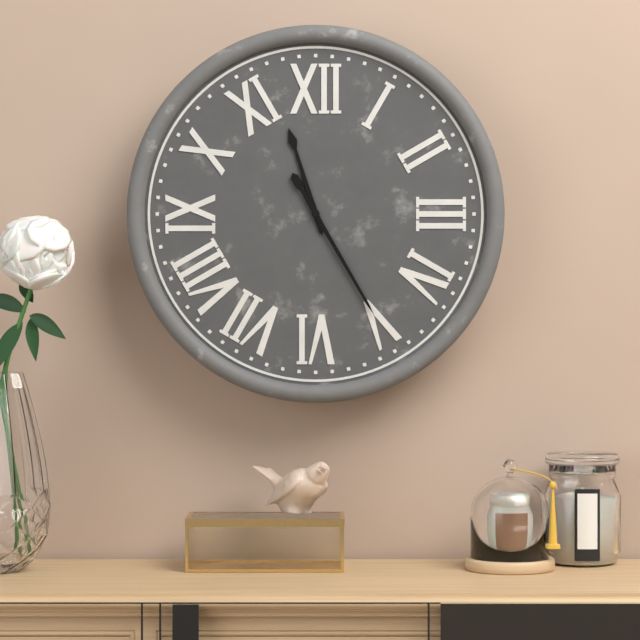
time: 11:25
